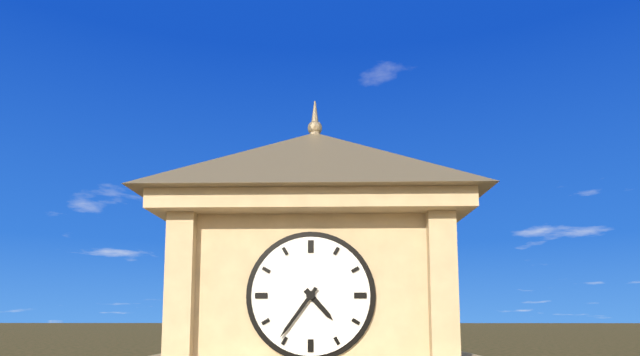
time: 4:36
